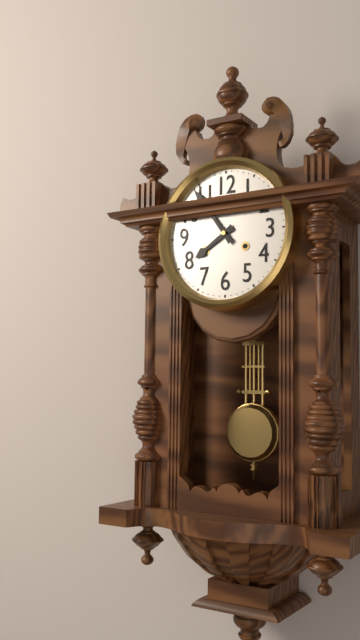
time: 7:54
